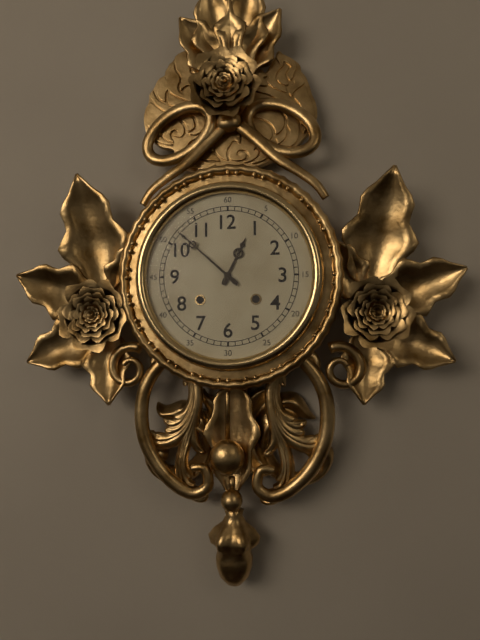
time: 12:52
